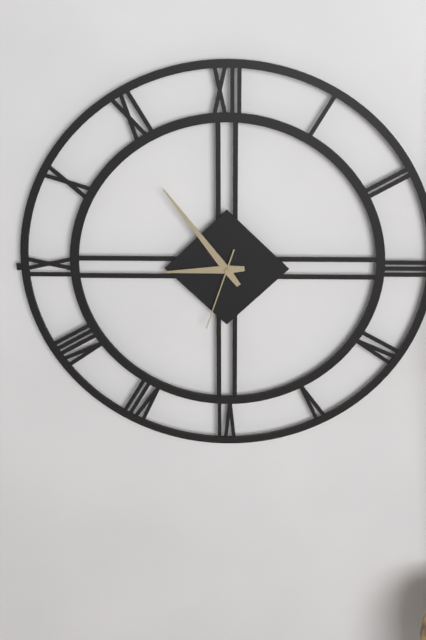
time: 8:54:33
